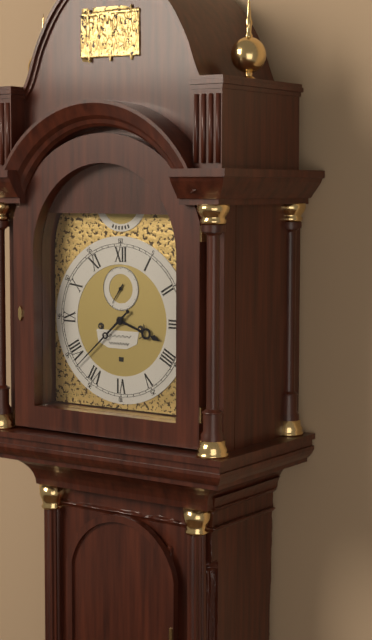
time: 3:38
